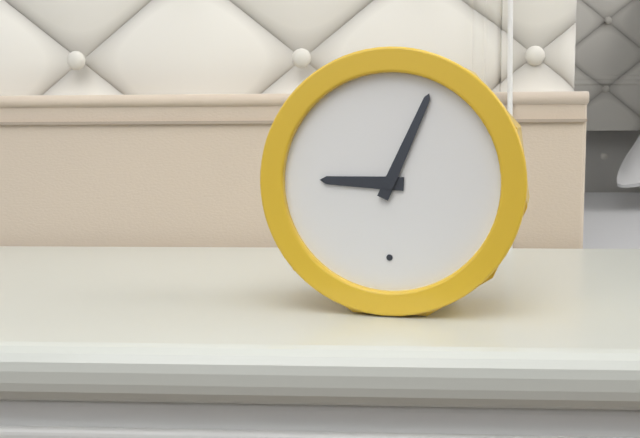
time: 9:04
